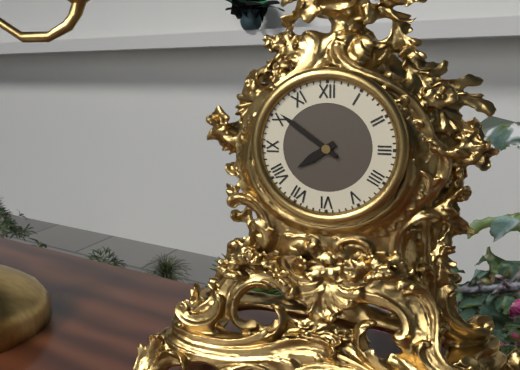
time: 7:51
